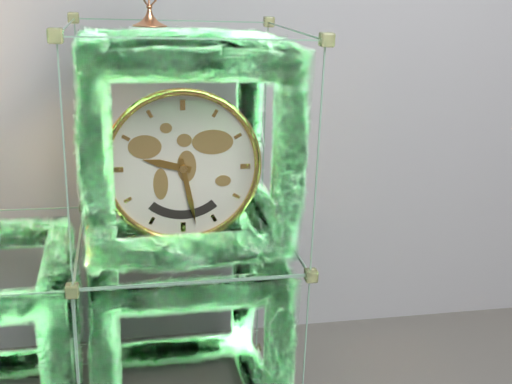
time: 9:28
